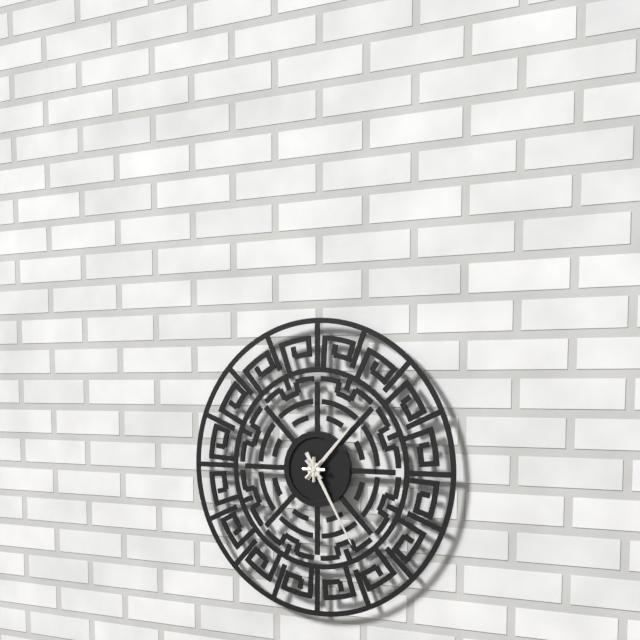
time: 1:25
